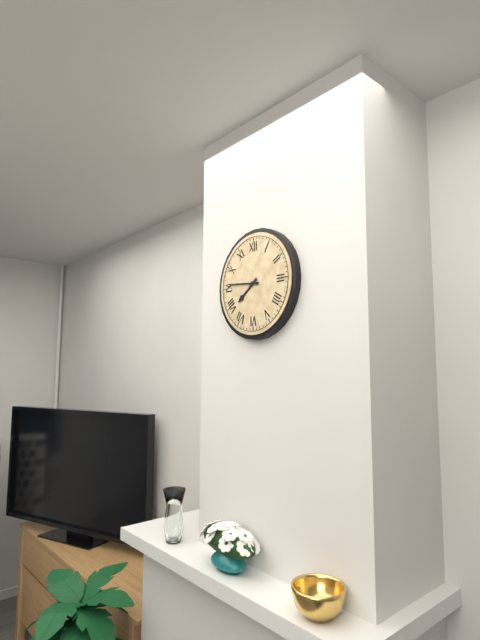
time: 7:46
